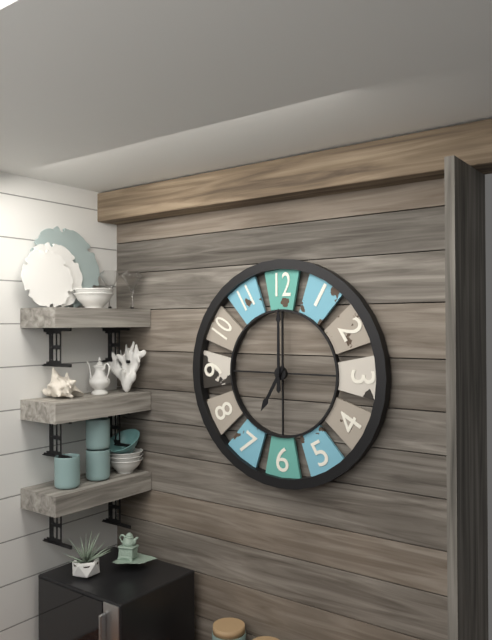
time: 7:00
